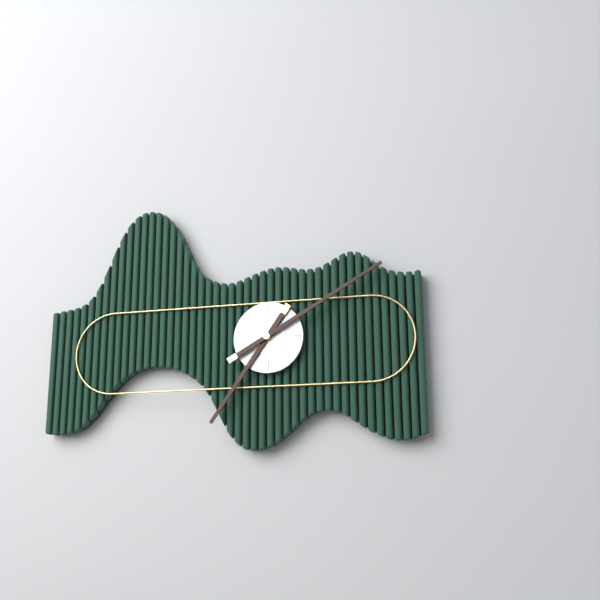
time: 7:10
